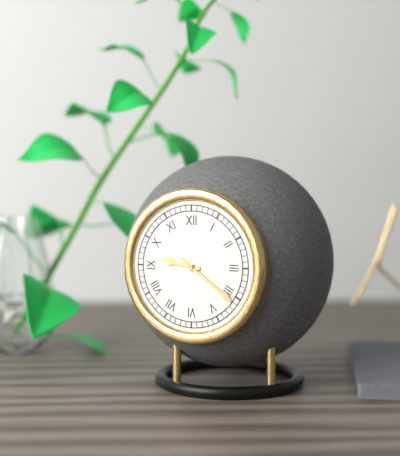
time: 9:21
